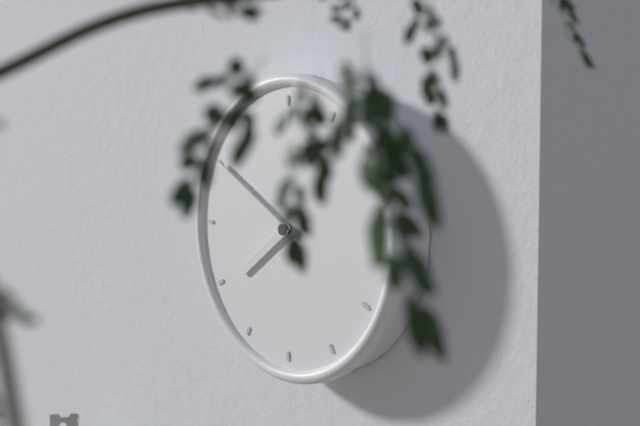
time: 7:50
